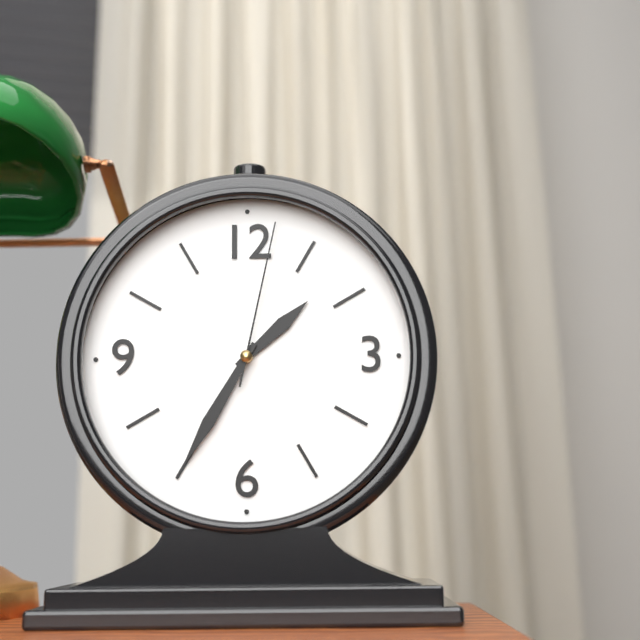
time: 1:35:02
